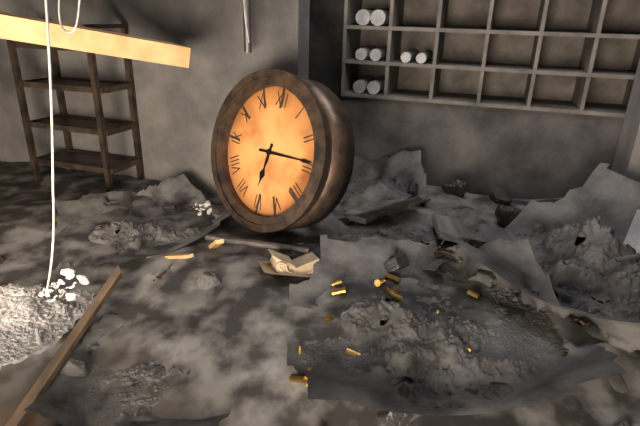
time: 6:14
